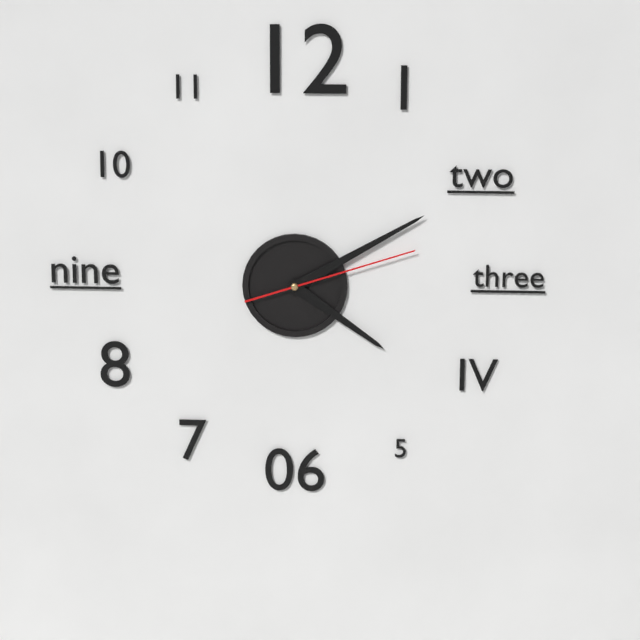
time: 4:10:12
